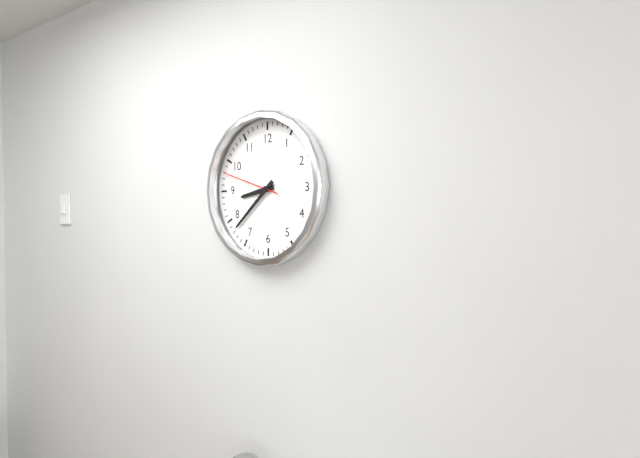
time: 8:38:48
